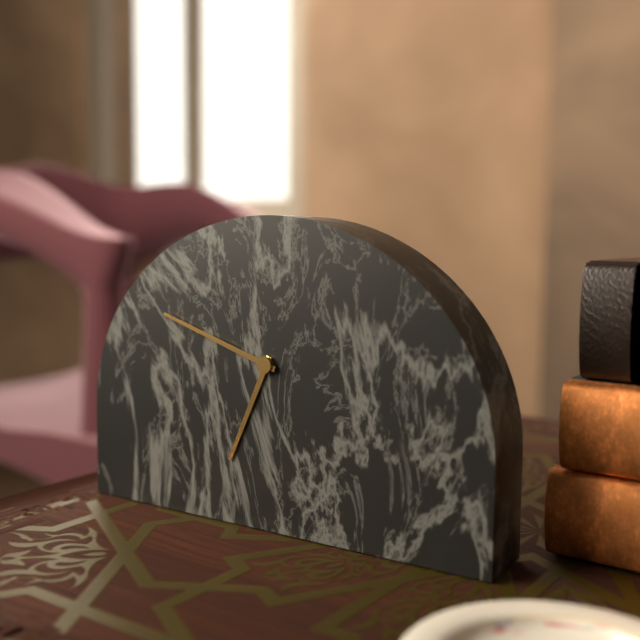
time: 6:48
